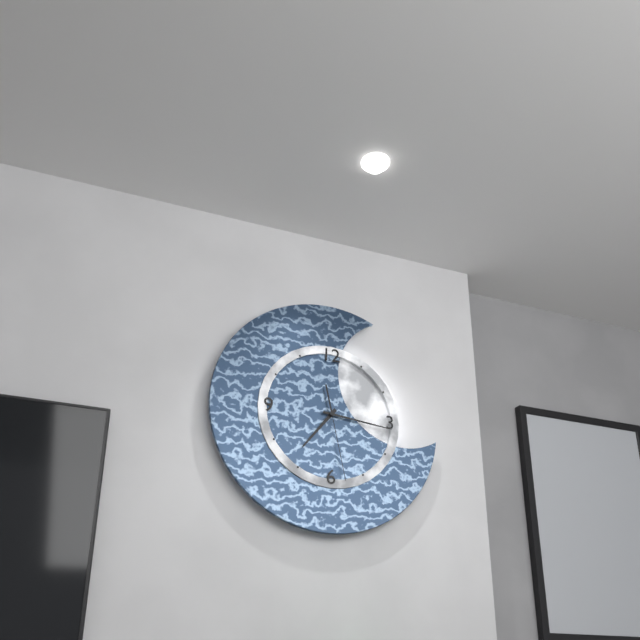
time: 7:16:28
